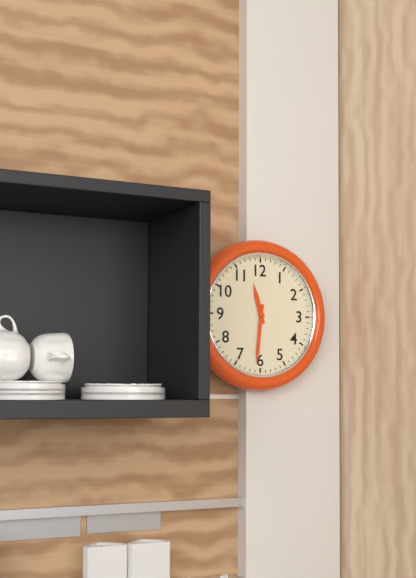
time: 11:31
